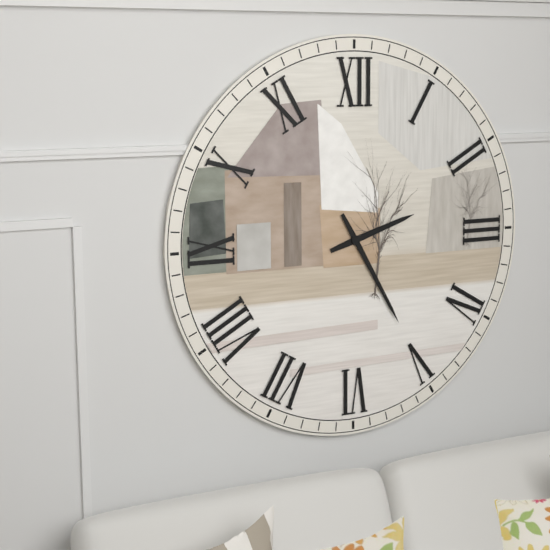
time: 2:25
